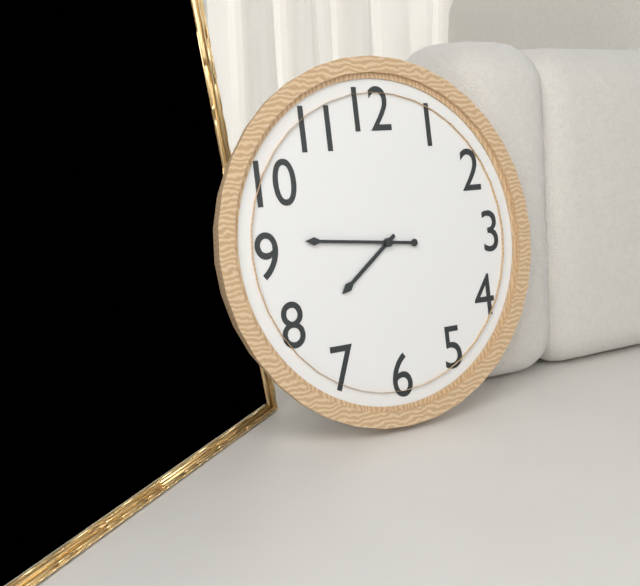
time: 7:46
